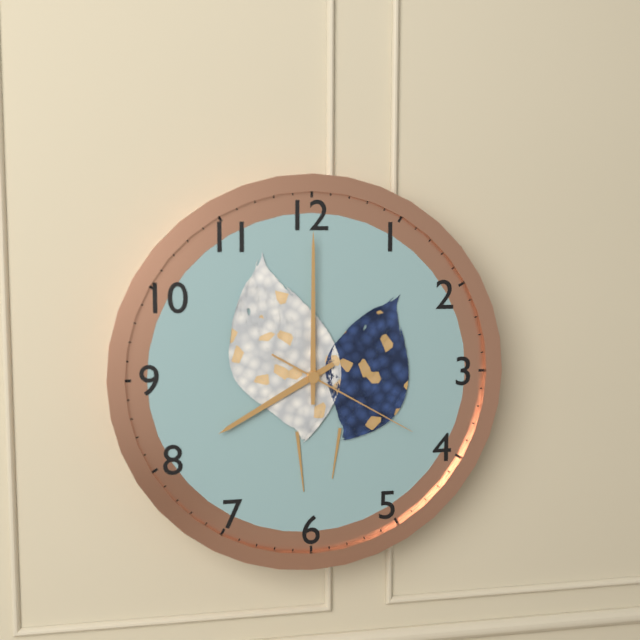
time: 8:00:20
